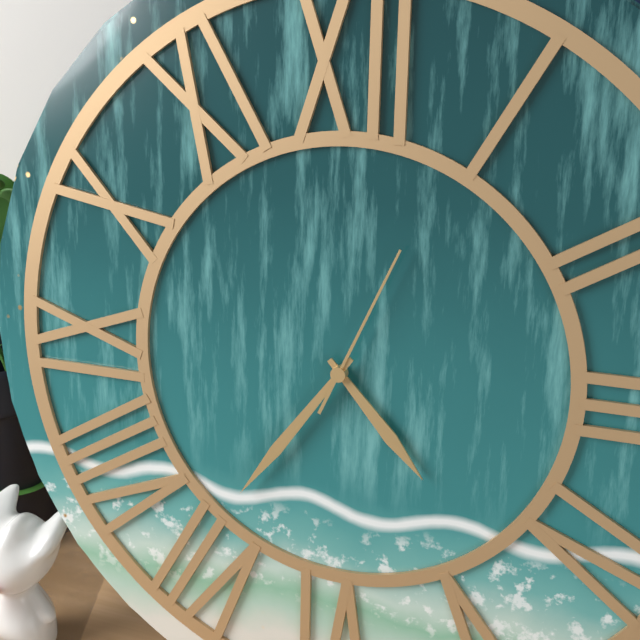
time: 4:36:04
